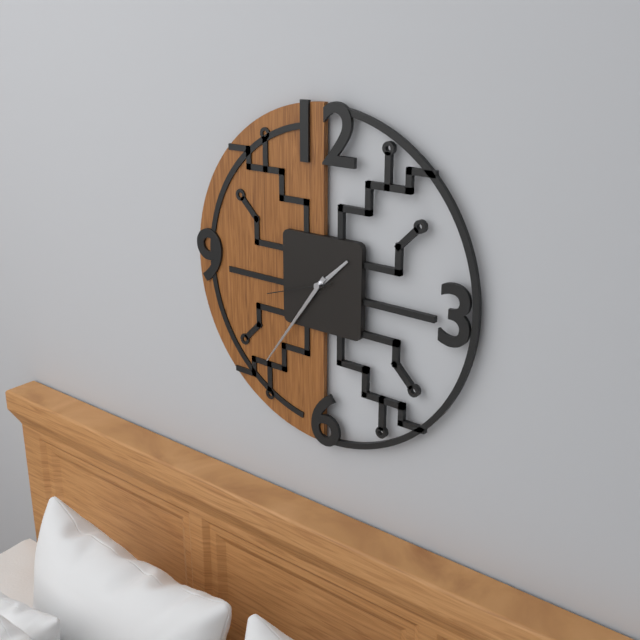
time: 1:36:42
